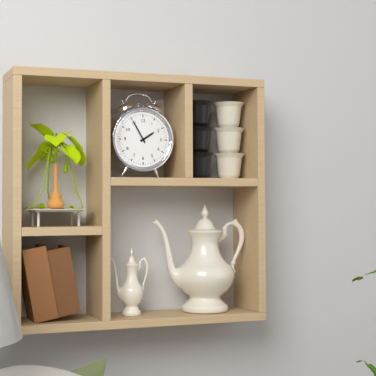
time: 1:55
